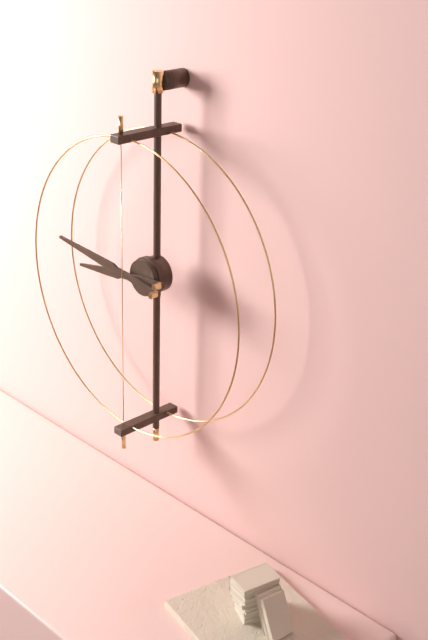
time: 8:46
